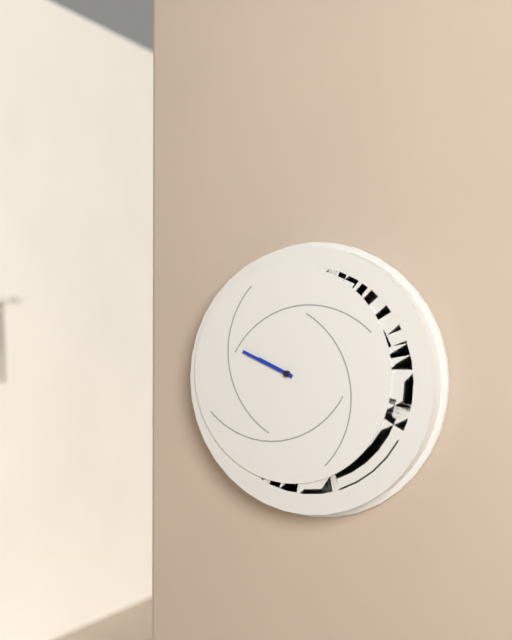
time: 9:49
